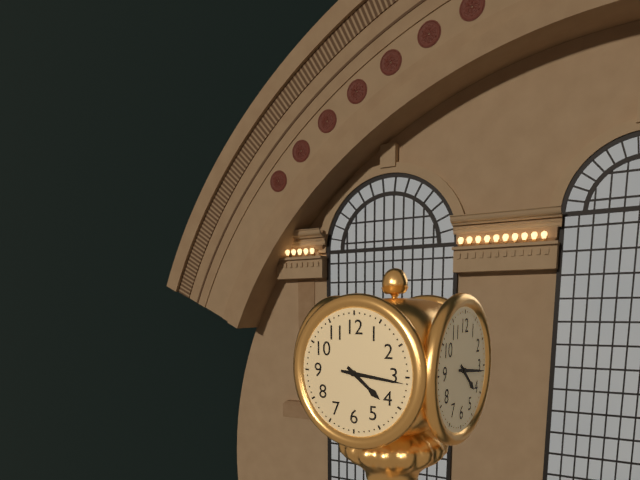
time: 4:16
